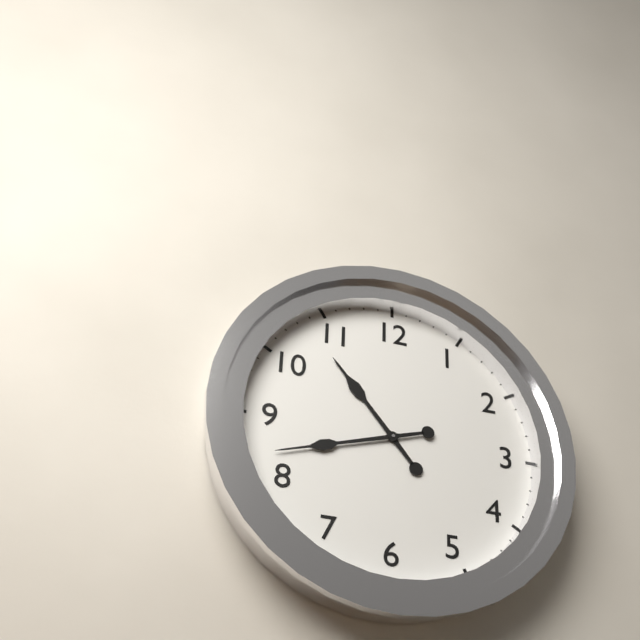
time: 10:42
